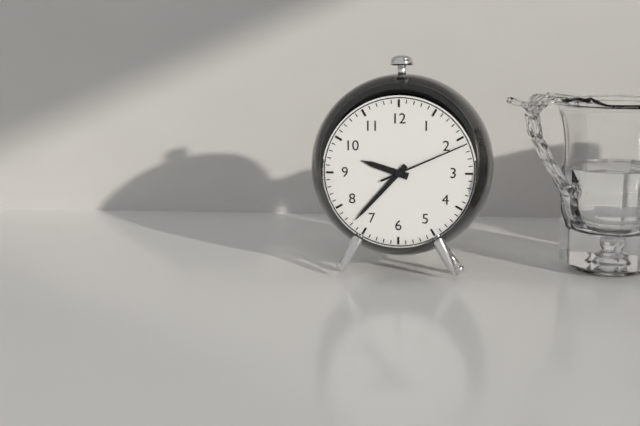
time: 9:37:11
